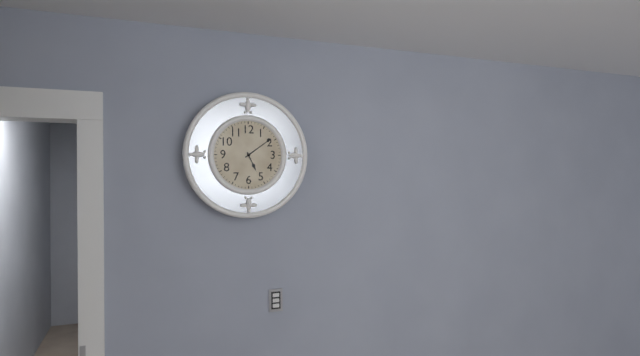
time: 5:09
